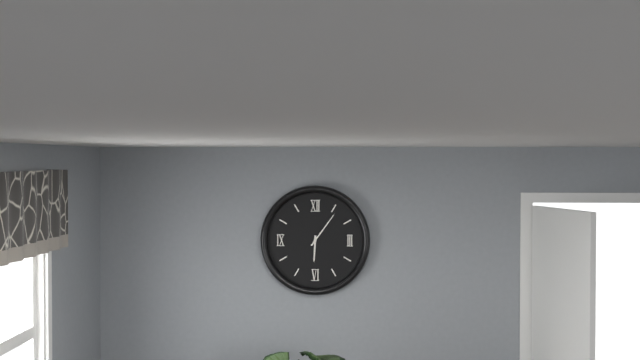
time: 6:06
